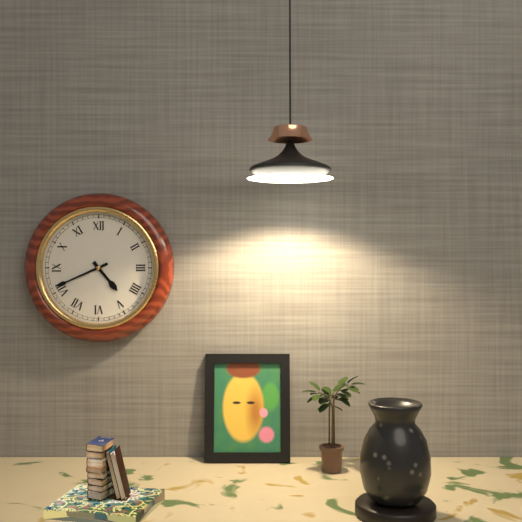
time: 4:41
